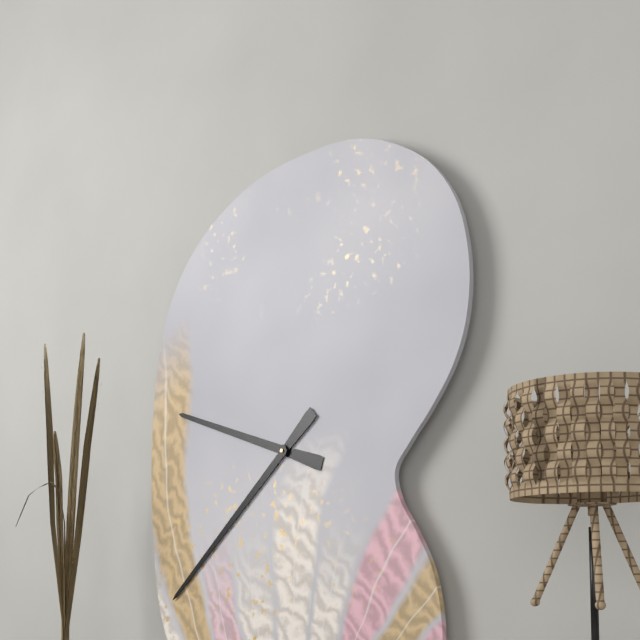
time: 9:38
